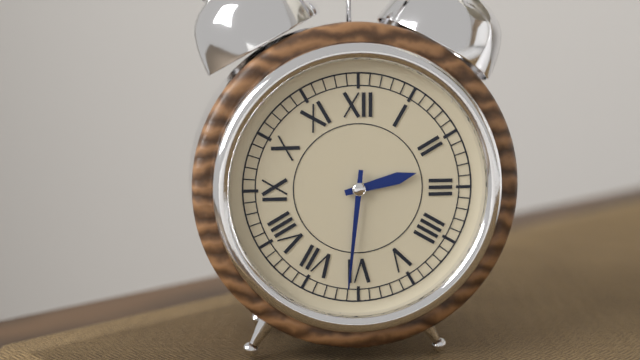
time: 2:31
